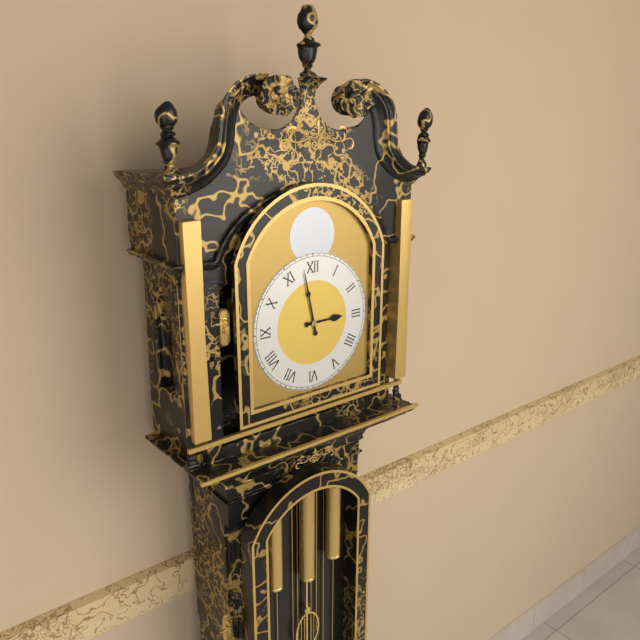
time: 2:58
